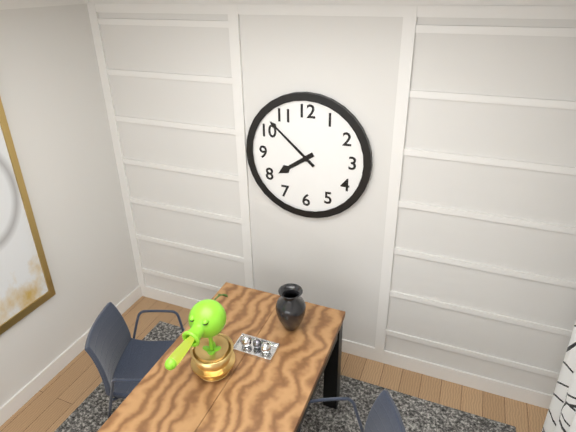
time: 7:52
